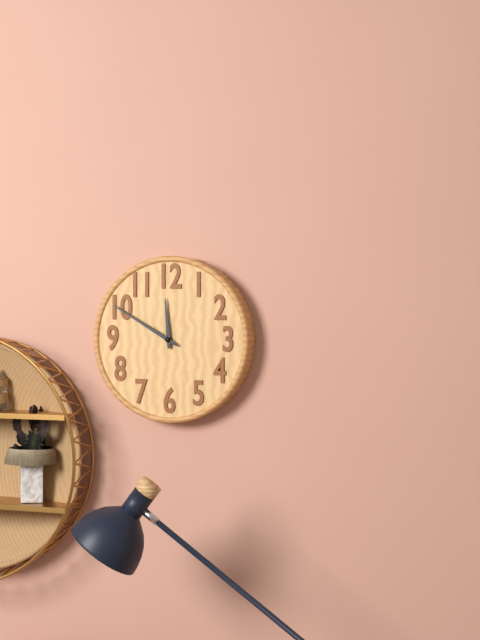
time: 11:50
